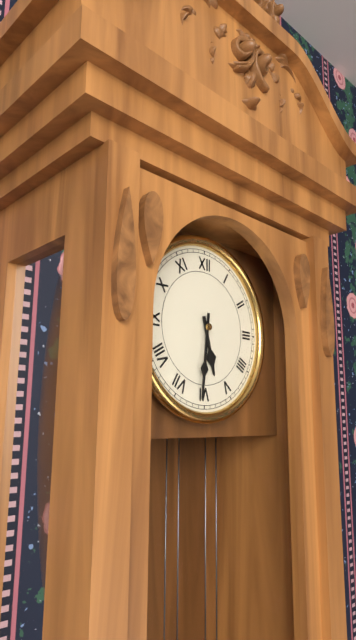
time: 5:31
